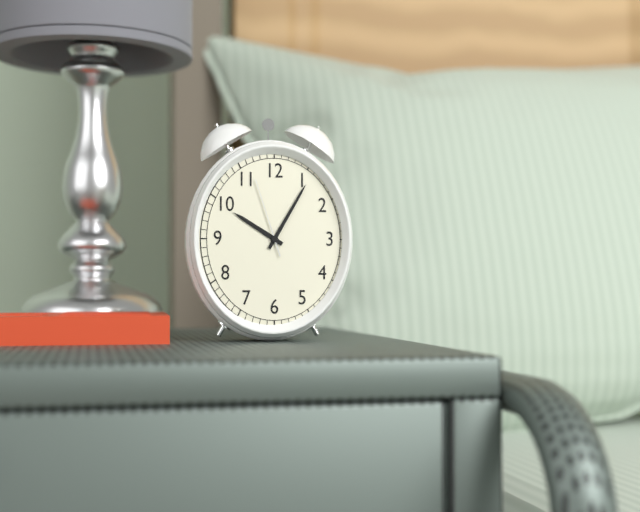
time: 10:05:57
